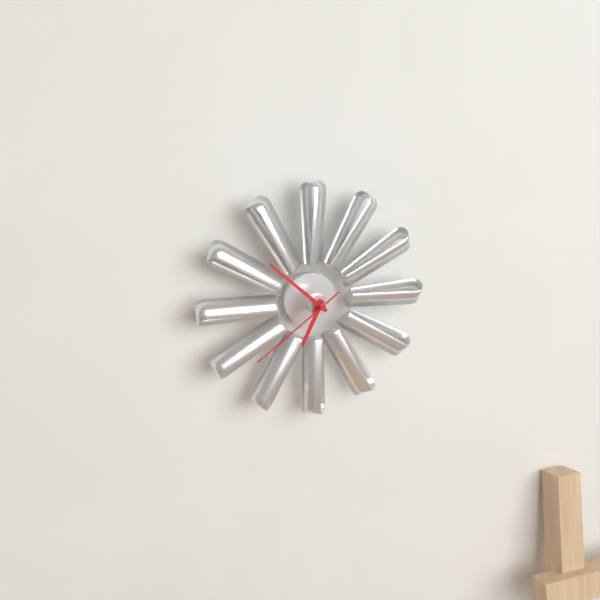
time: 6:52:39
